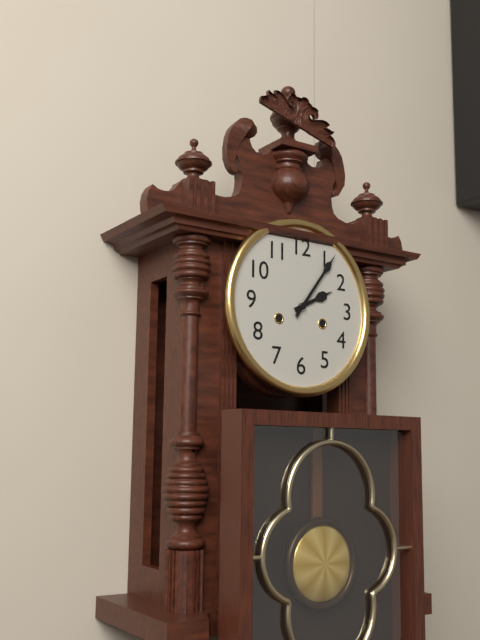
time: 2:06
